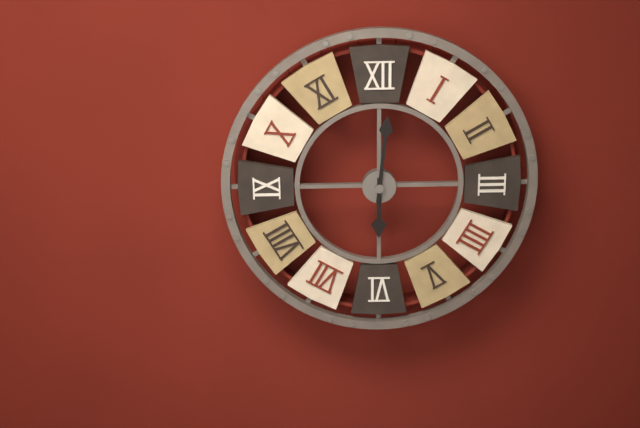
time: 6:01
